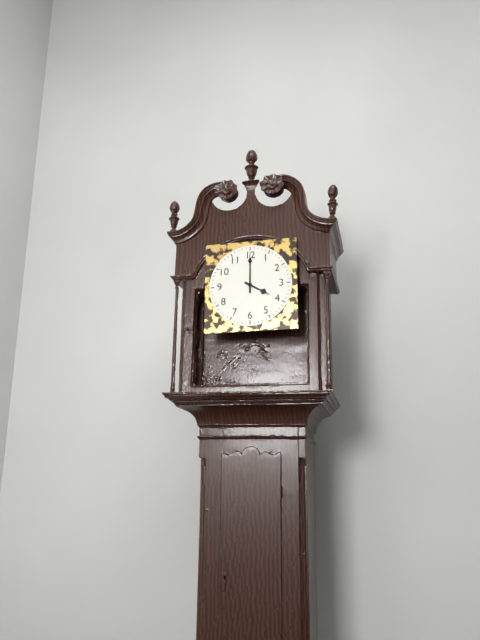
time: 4:00
